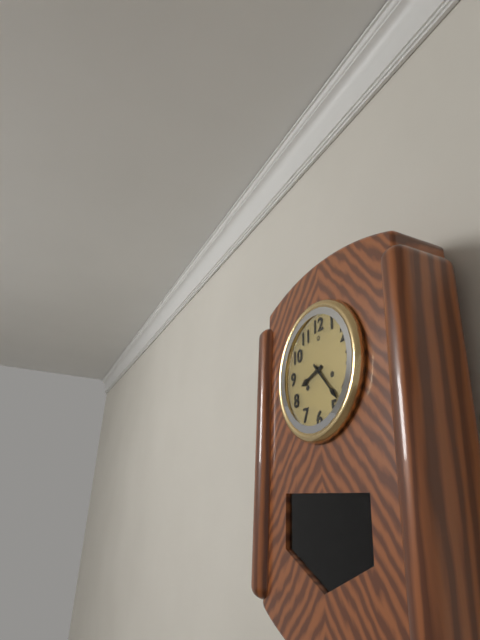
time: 8:23
